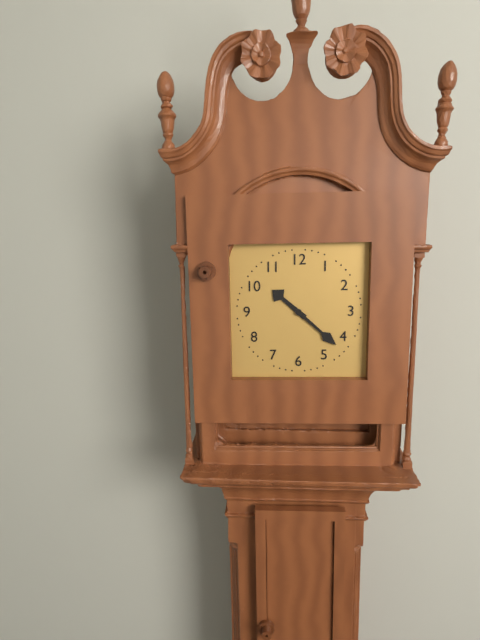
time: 10:22
